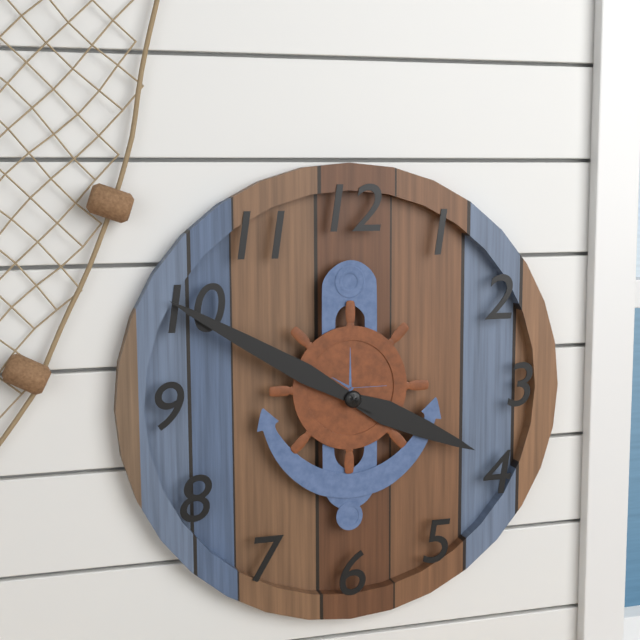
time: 3:50
